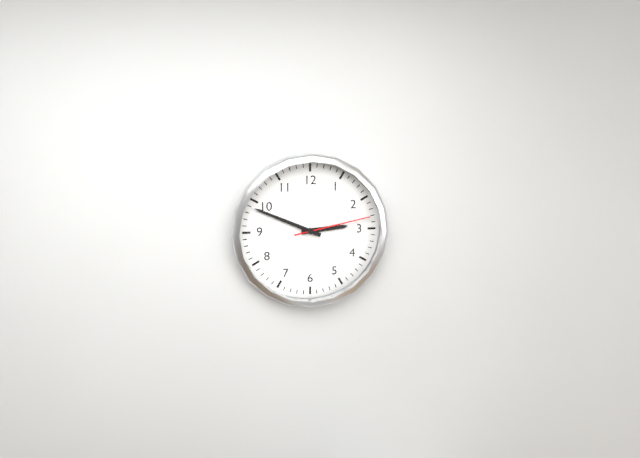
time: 2:49:13
